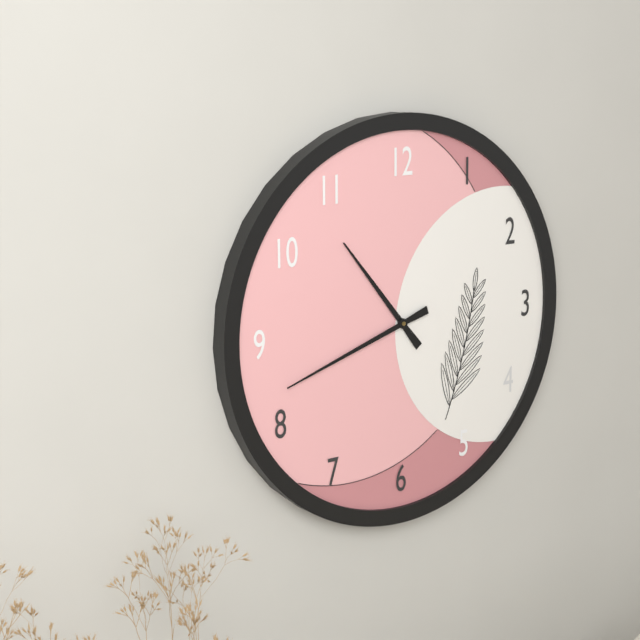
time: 10:42
